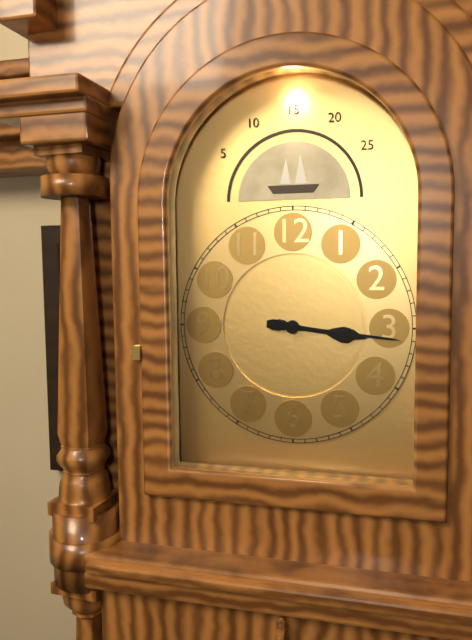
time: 3:16
